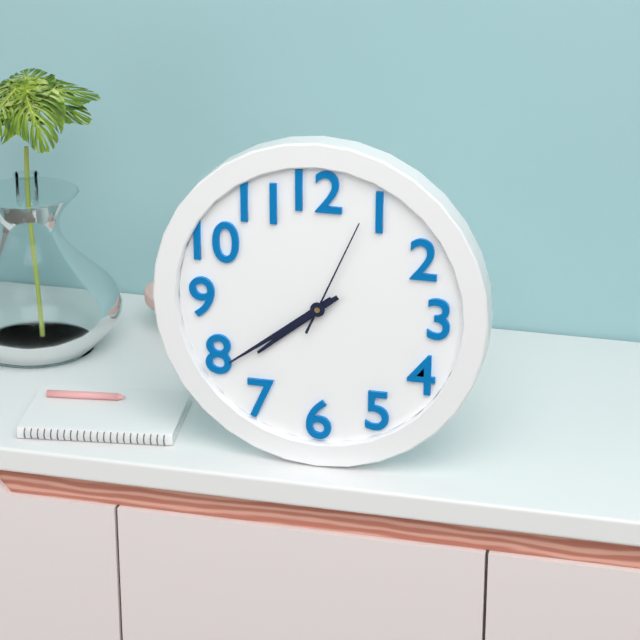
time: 7:39:04
